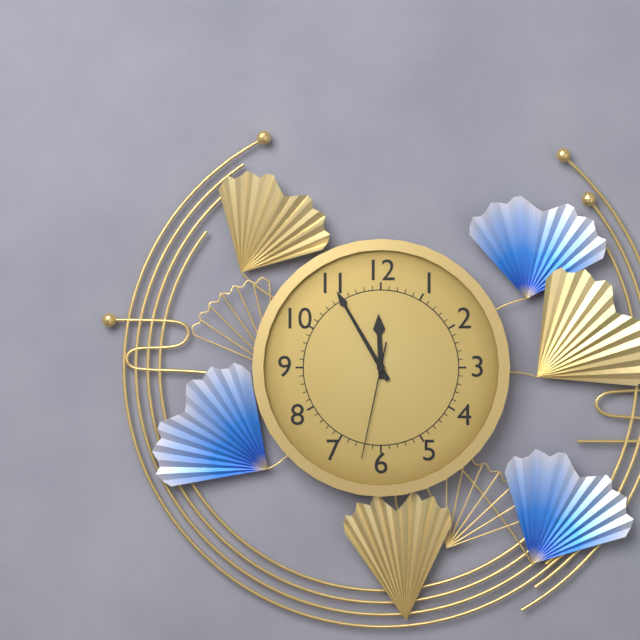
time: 11:55:32
